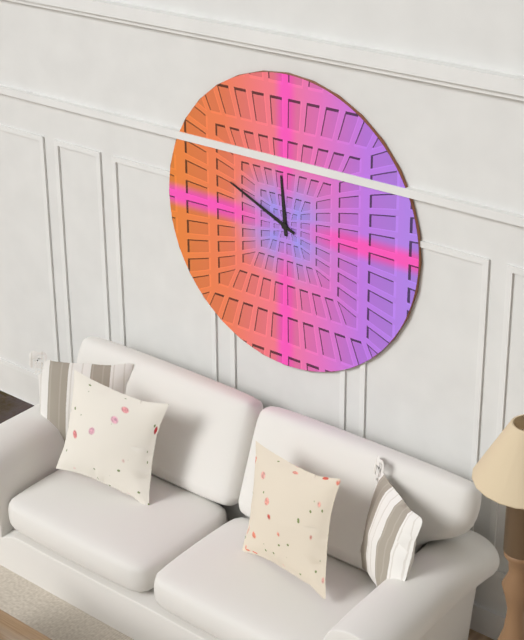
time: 11:49
